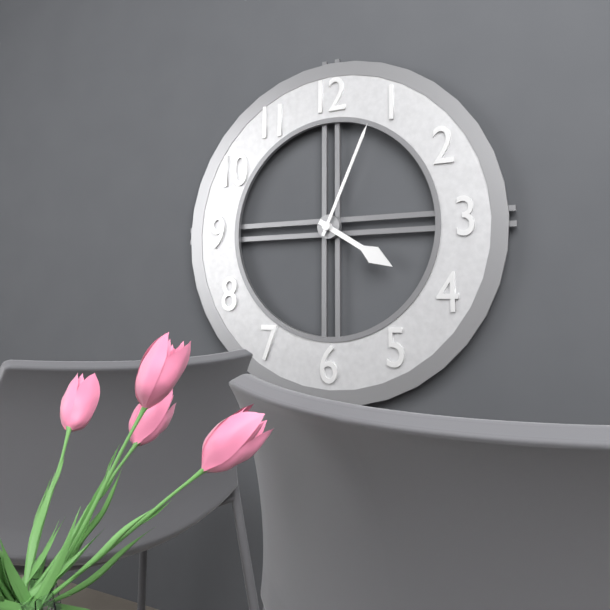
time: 4:04
